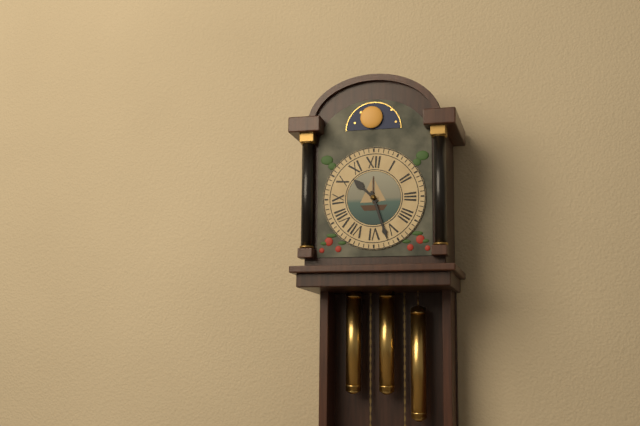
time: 10:27
